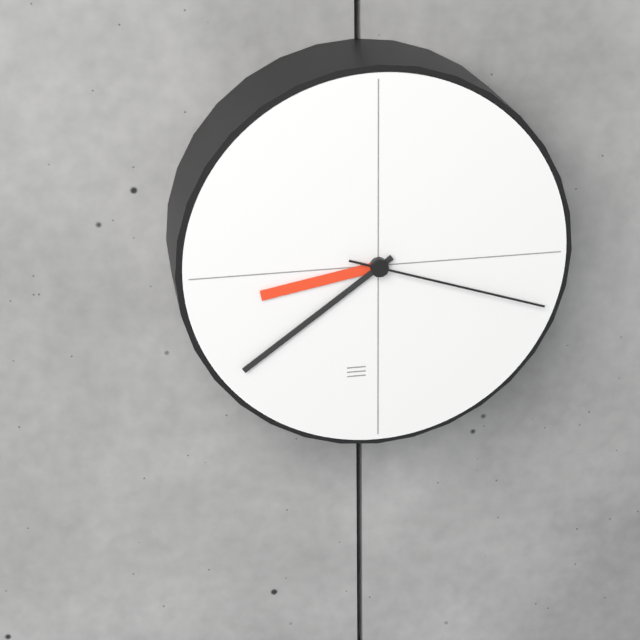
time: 8:39:18
